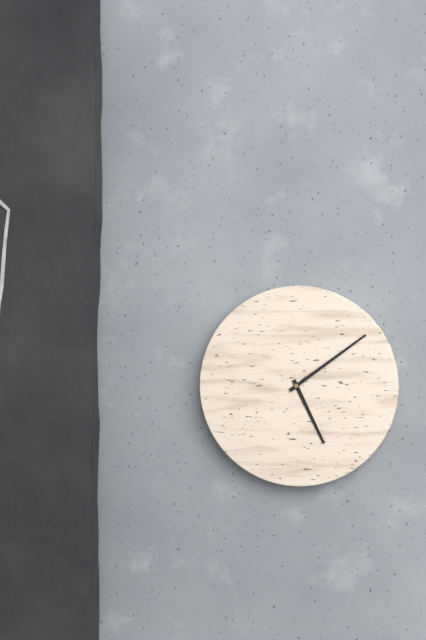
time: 5:09
